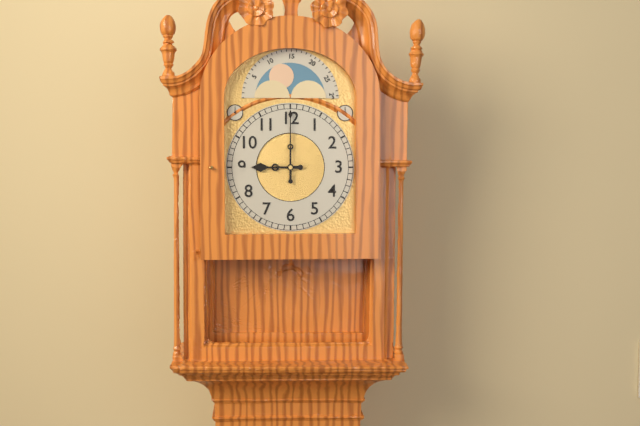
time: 9:00
